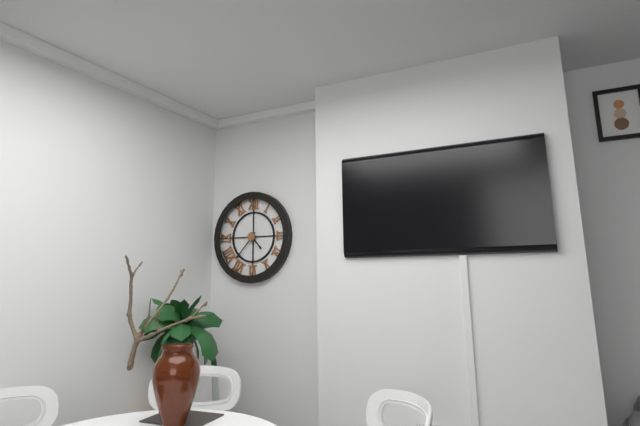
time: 4:37
